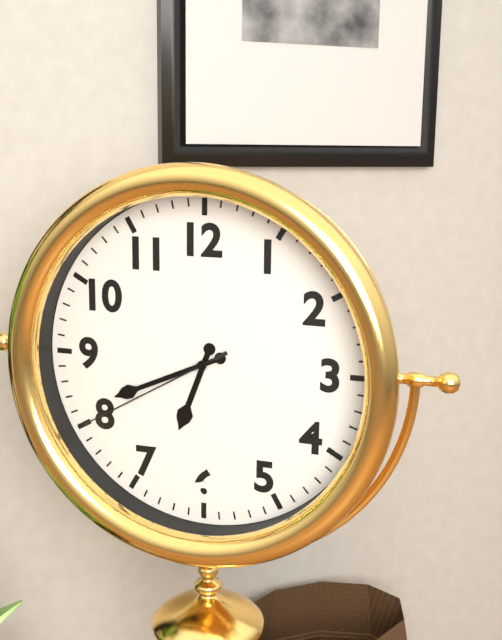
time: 6:41:40
